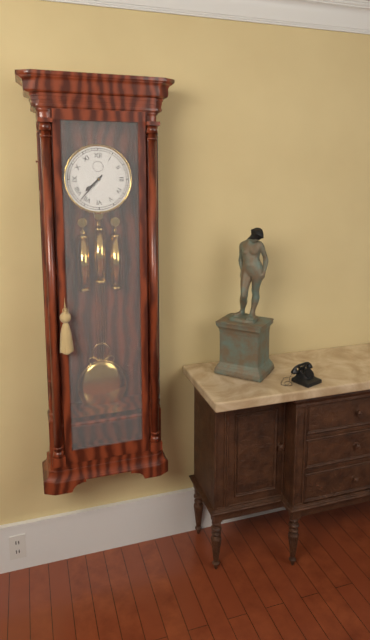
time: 7:37
